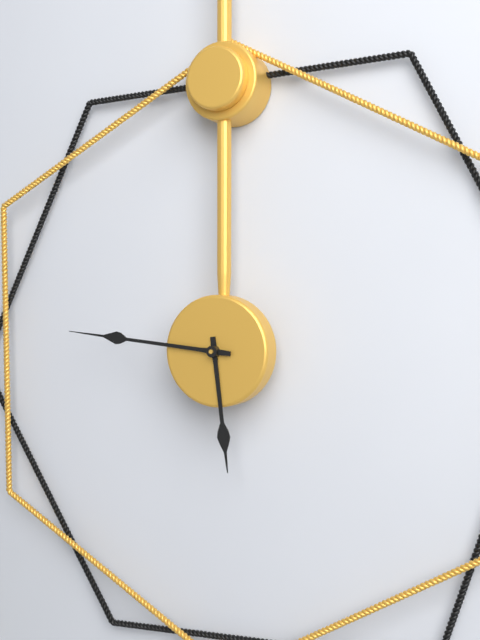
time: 5:46
